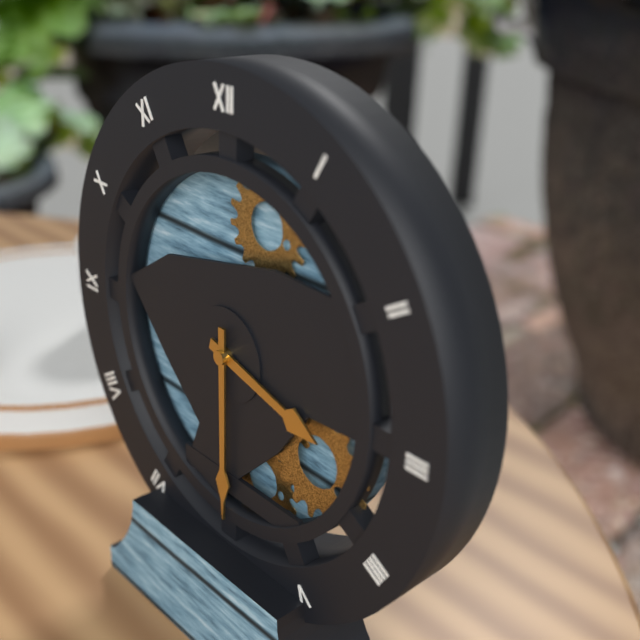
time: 3:30
